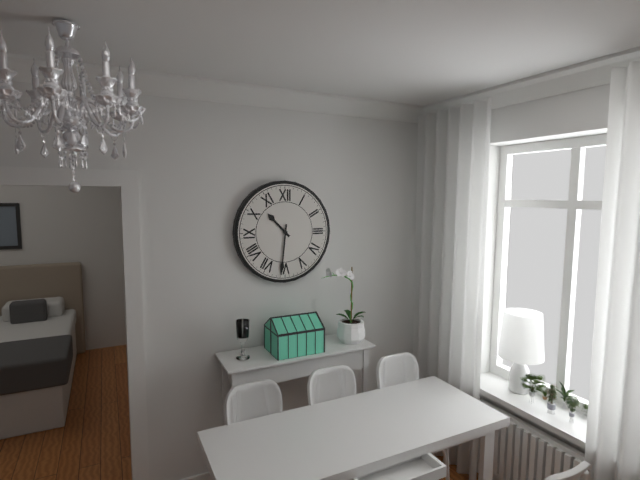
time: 10:31
